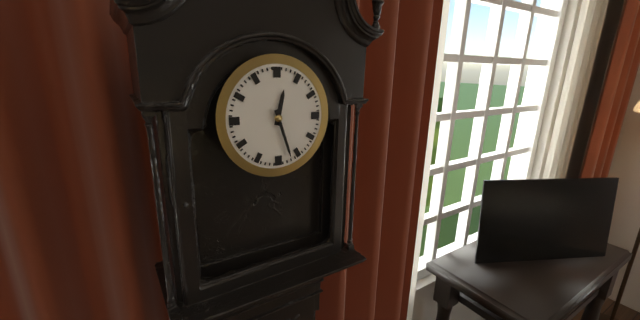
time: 12:27
